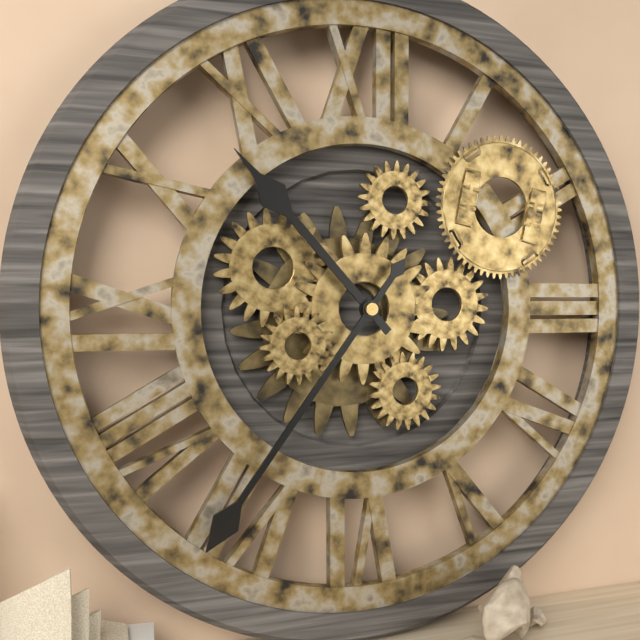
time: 10:36
